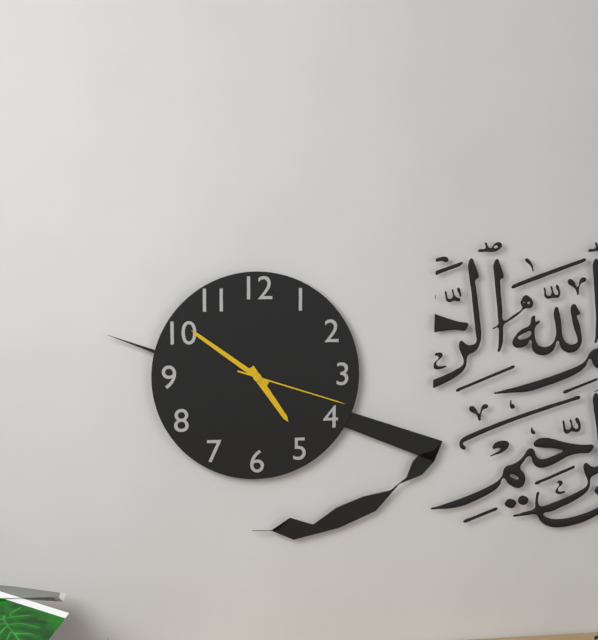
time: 4:51:18
